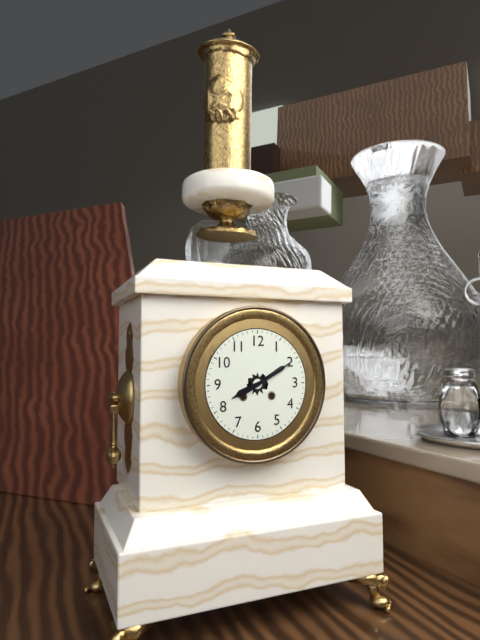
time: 8:10
